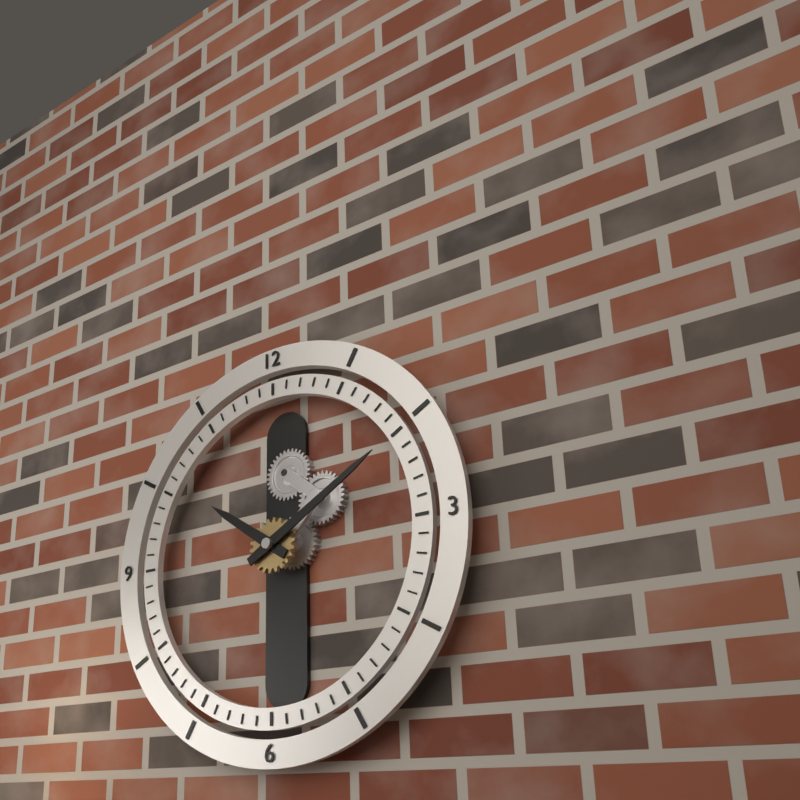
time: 10:10
